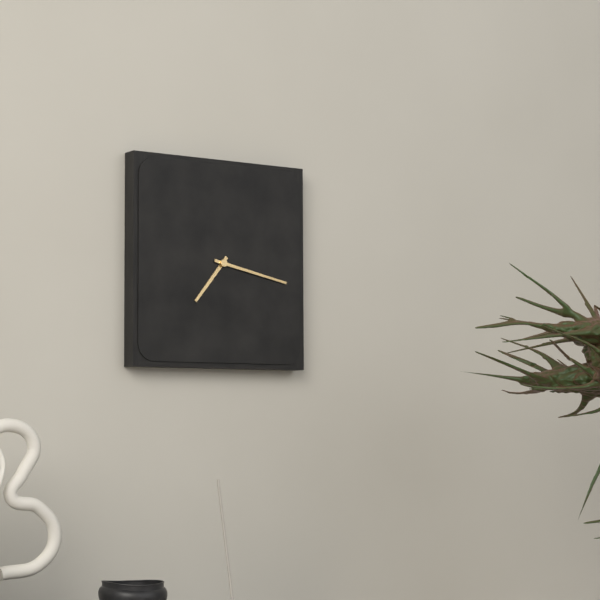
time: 7:17
